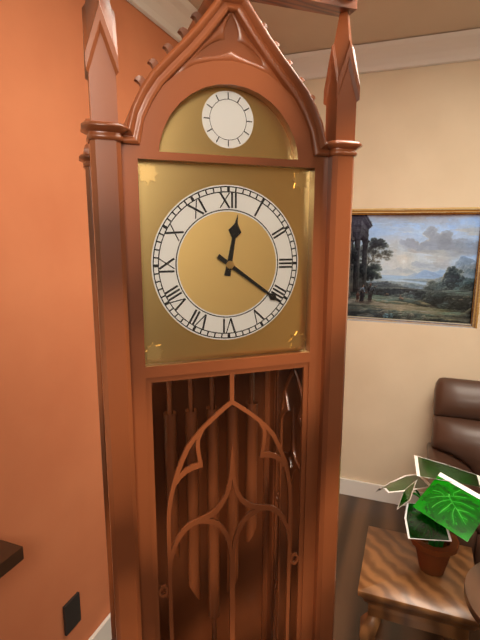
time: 12:21
